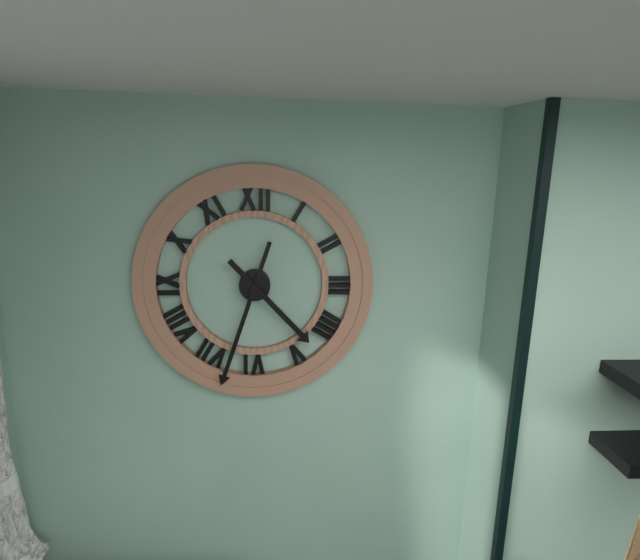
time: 4:33
